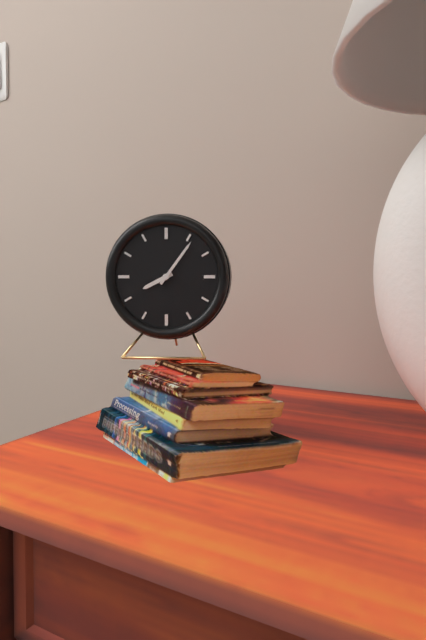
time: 8:06
